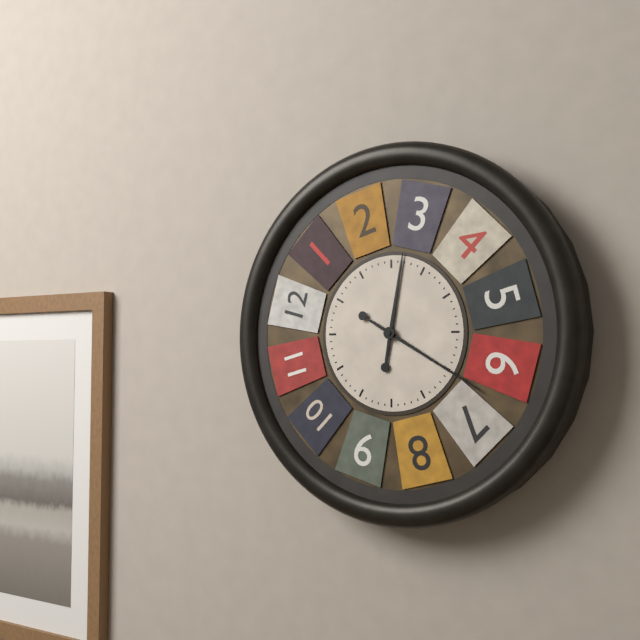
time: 12:20
